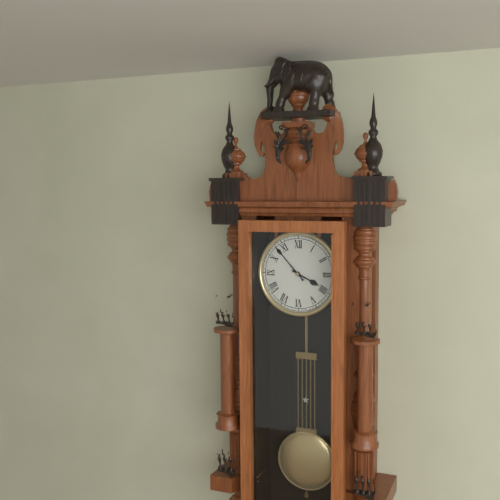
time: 3:53
